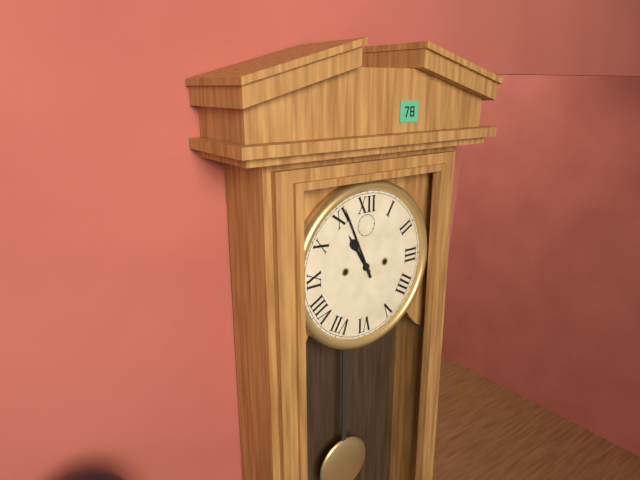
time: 10:56
